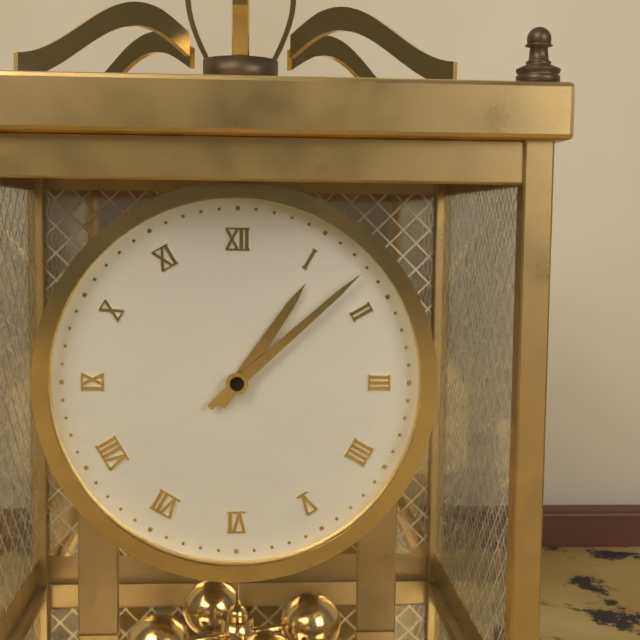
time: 1:08
